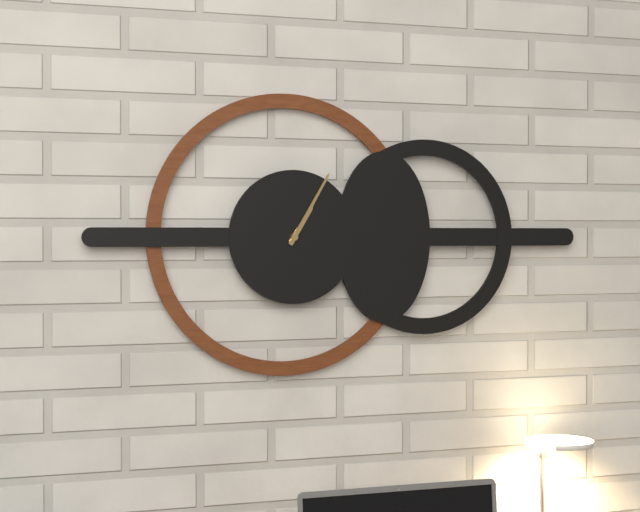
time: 1:05
